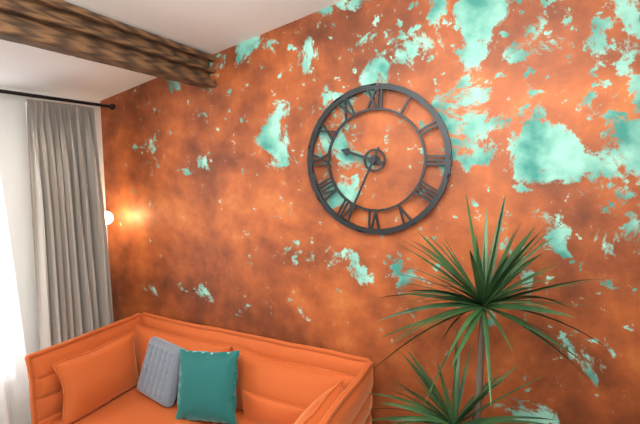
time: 9:34
